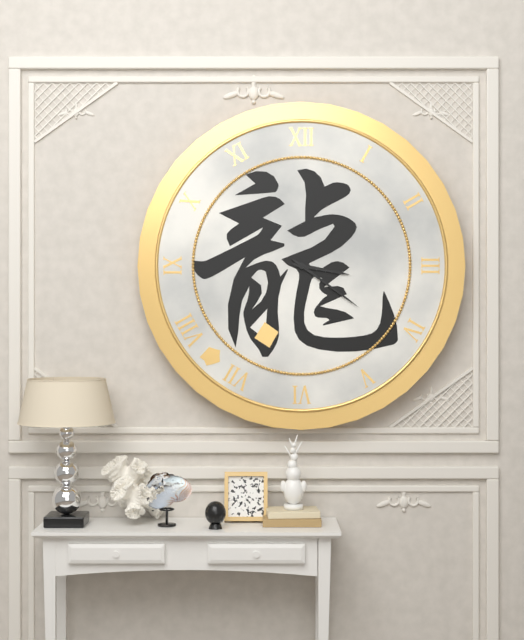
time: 3:21
